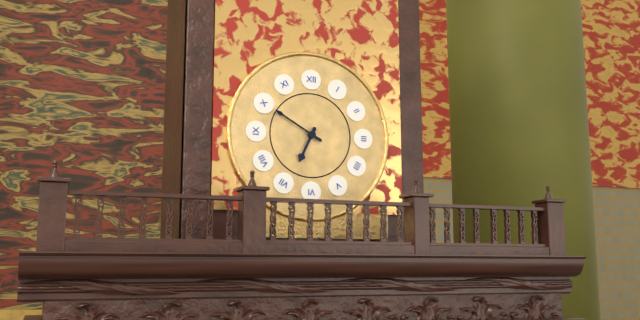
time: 6:50
